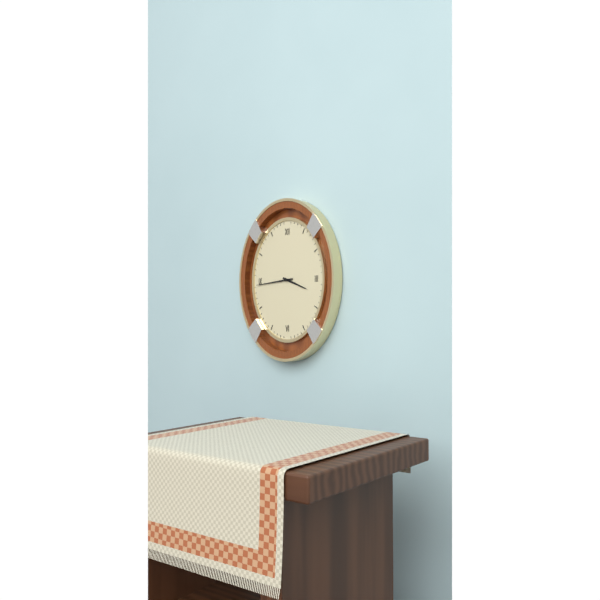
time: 3:44
